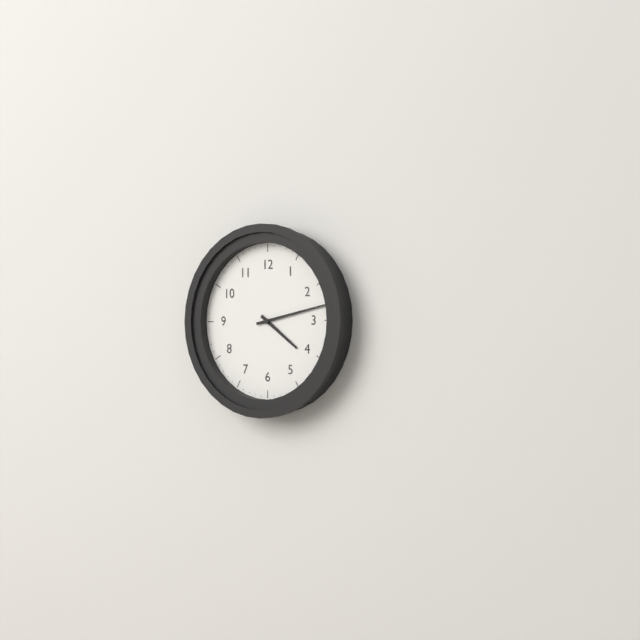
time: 4:13
